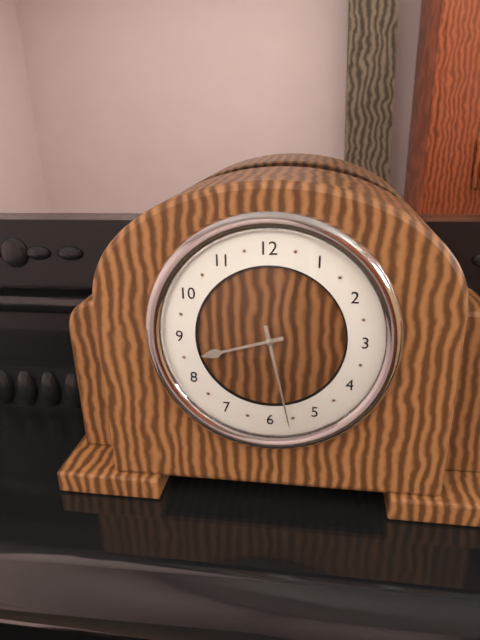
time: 8:28
